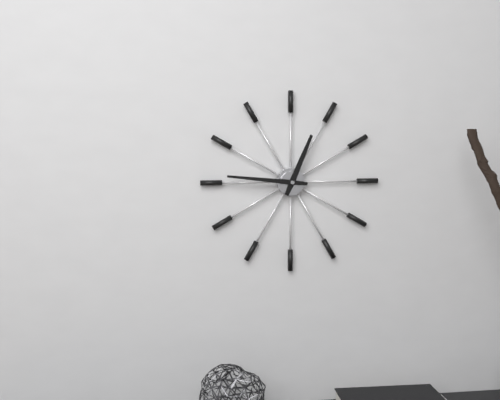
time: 12:46
